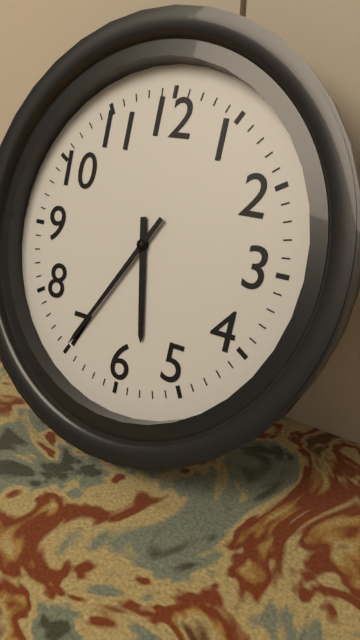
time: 5:35
